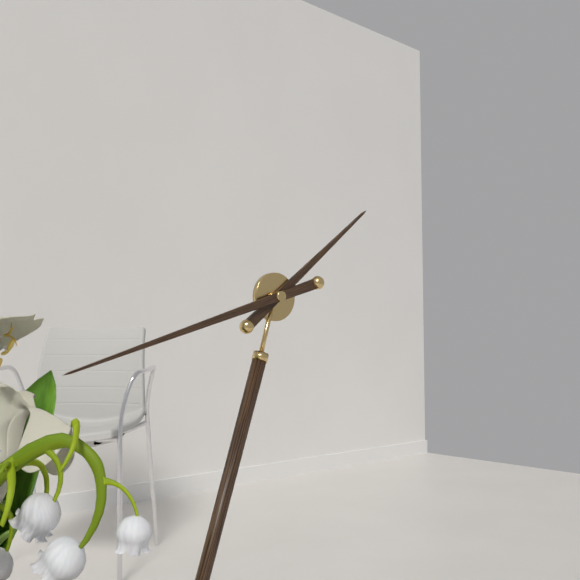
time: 1:42
